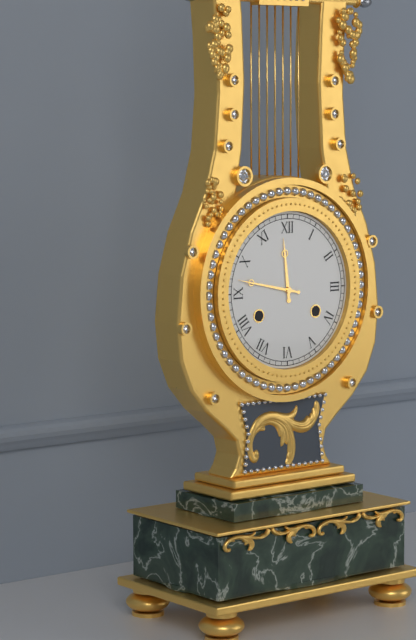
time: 11:47
